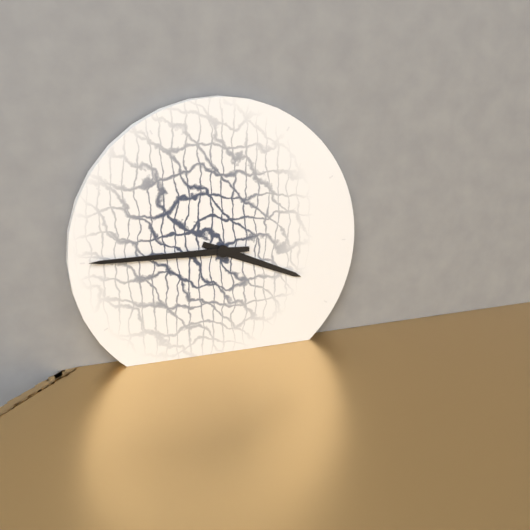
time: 3:45
